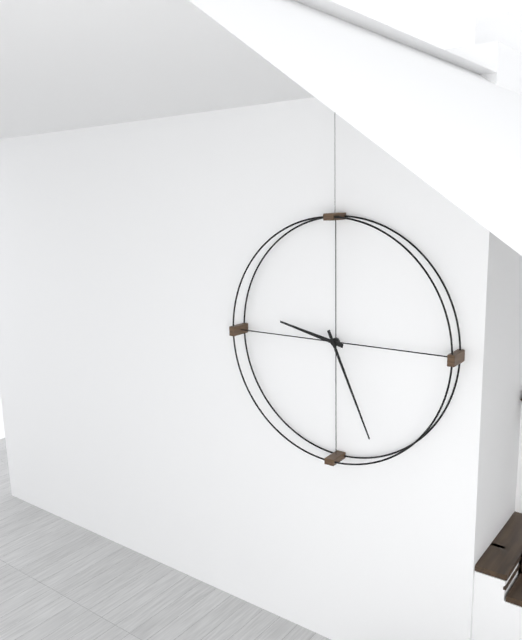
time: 9:26
